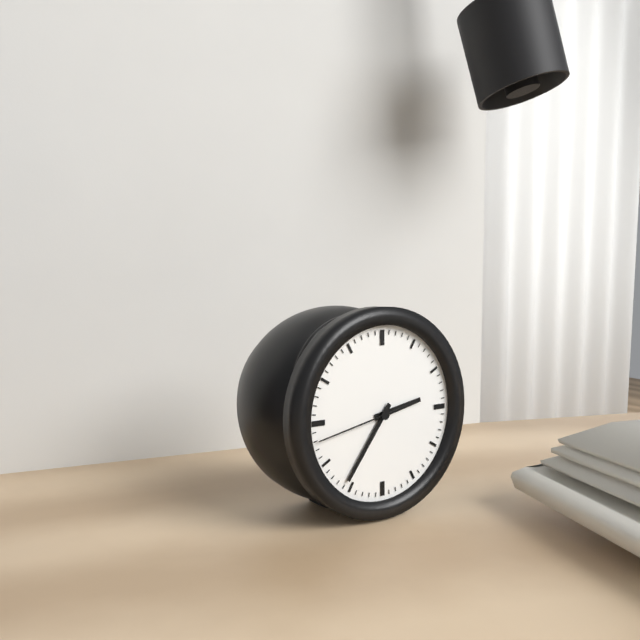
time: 2:36:43
